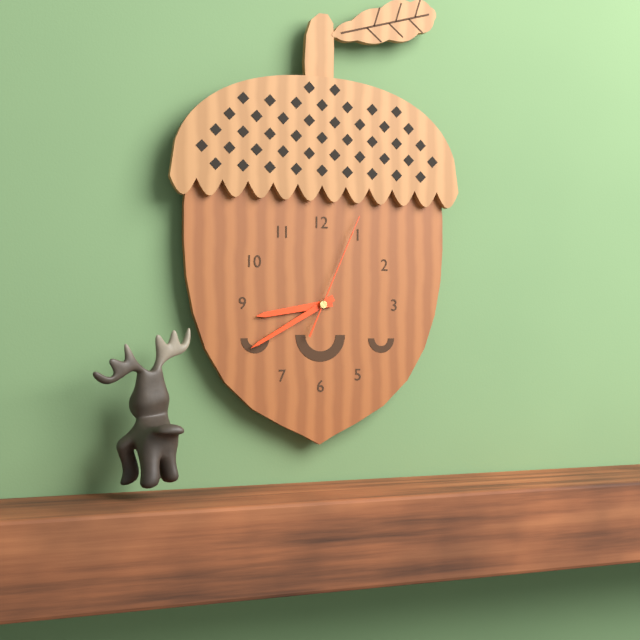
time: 8:40:04
